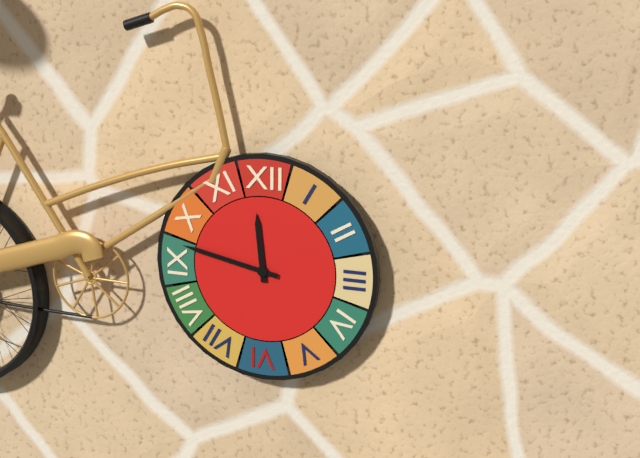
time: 11:47
